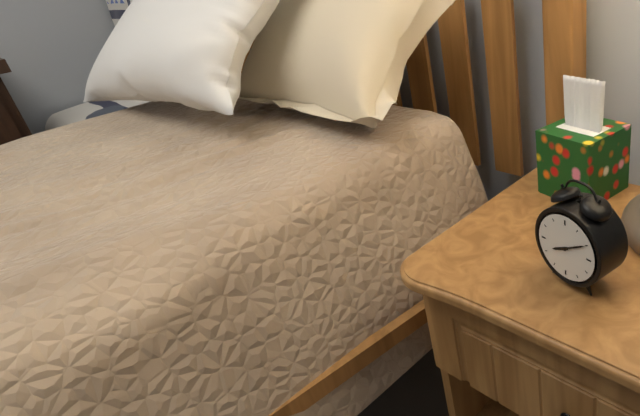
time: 8:10
